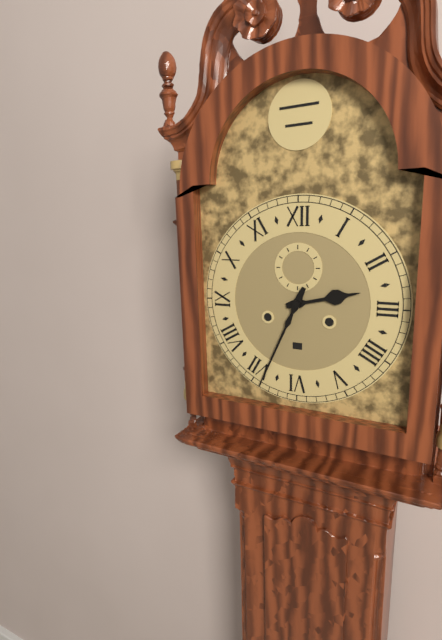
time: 2:34
